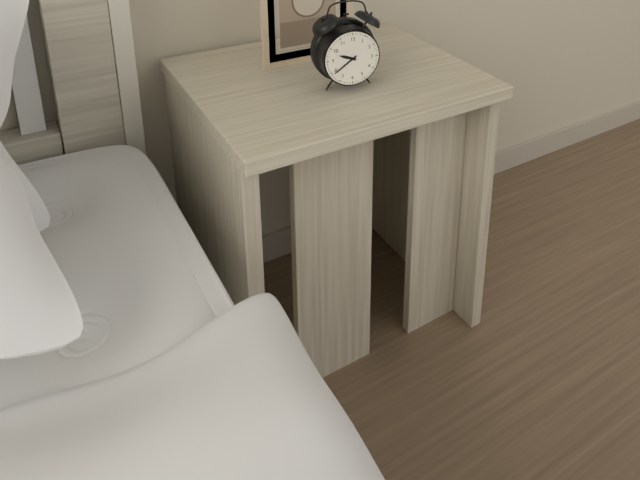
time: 9:39
